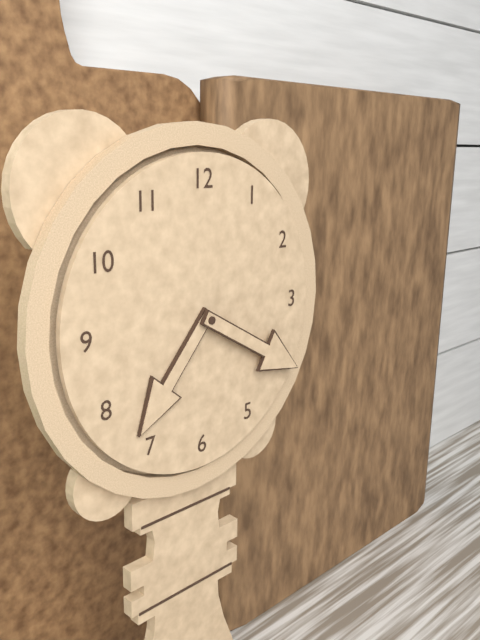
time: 7:20
